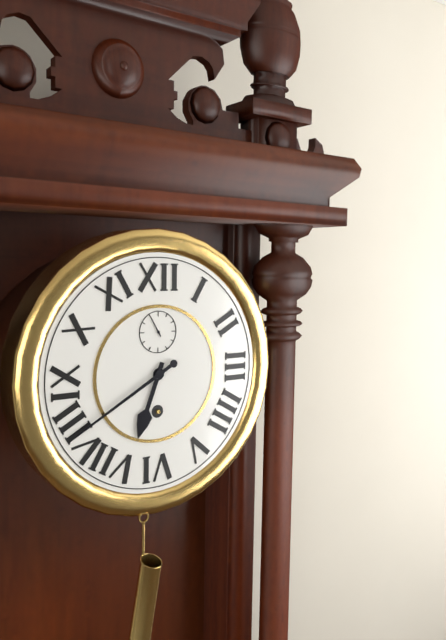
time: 6:40
